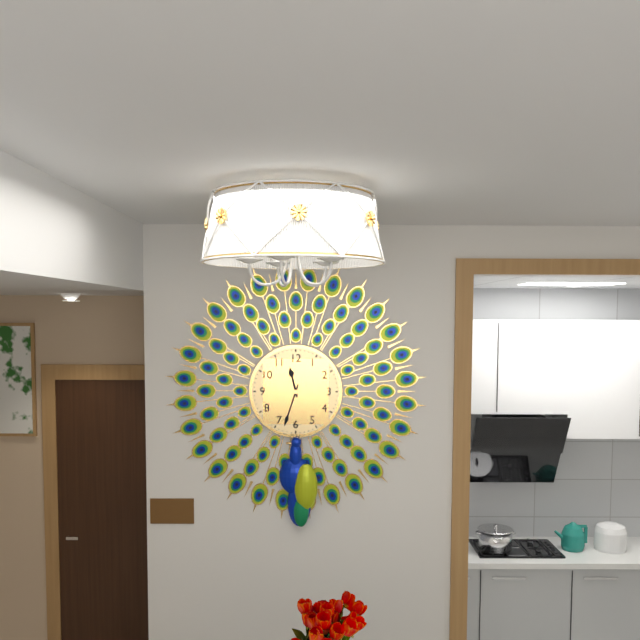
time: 11:33
